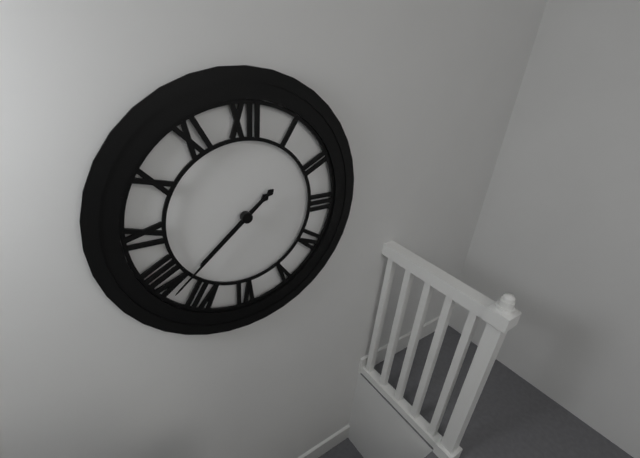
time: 7:38
